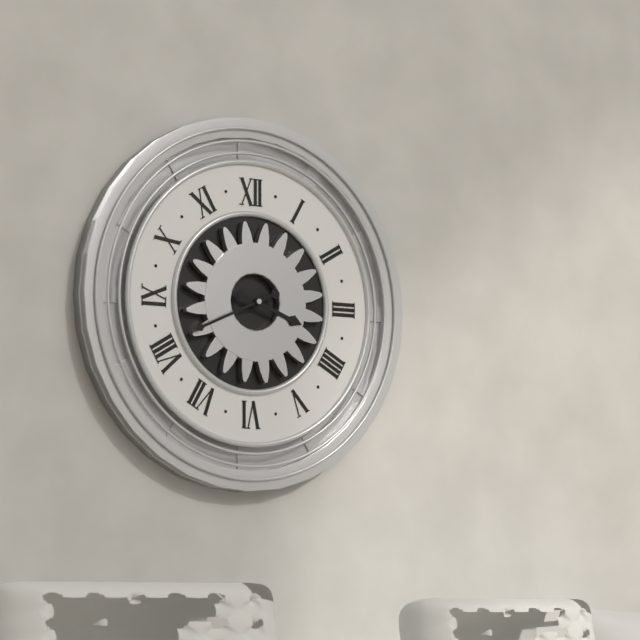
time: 3:41
